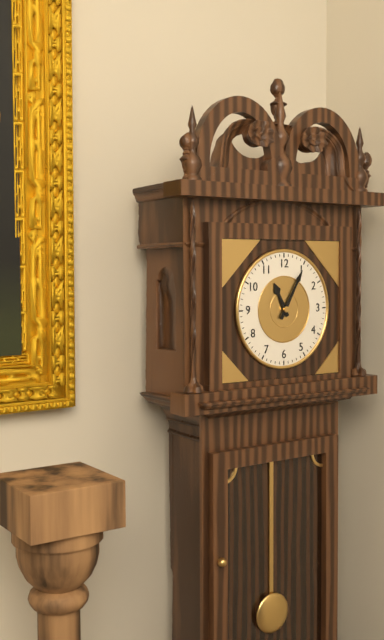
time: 11:05
